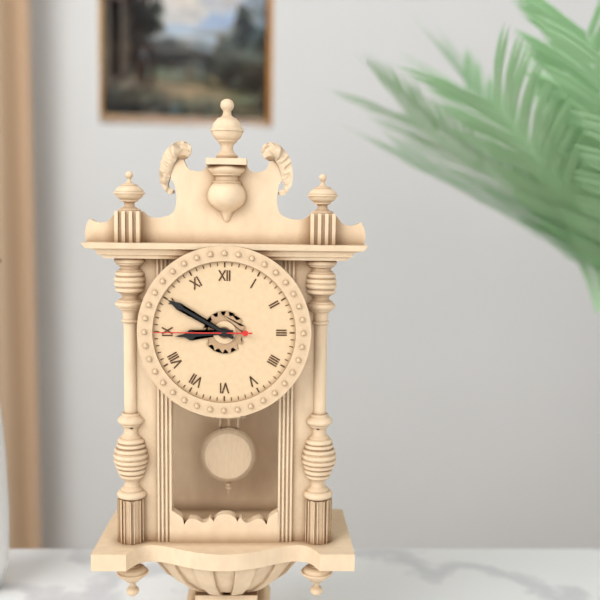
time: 8:50:45
